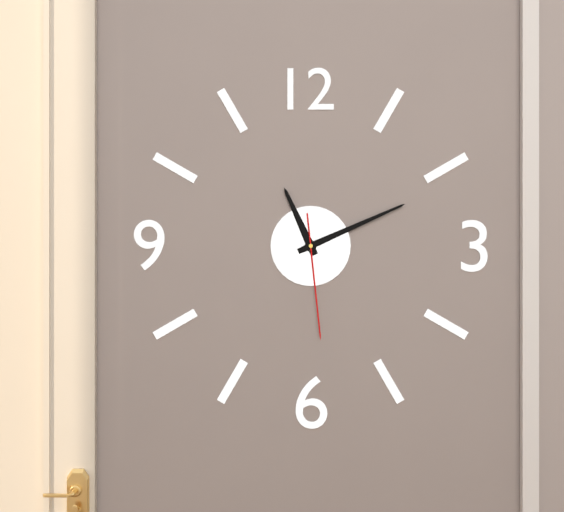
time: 11:11:29
